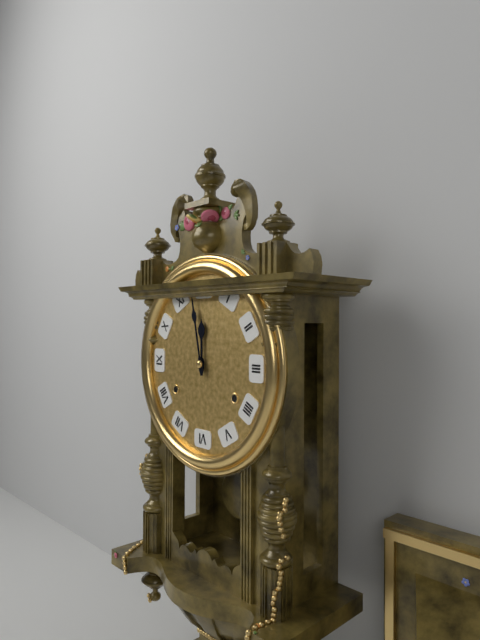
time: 11:58
